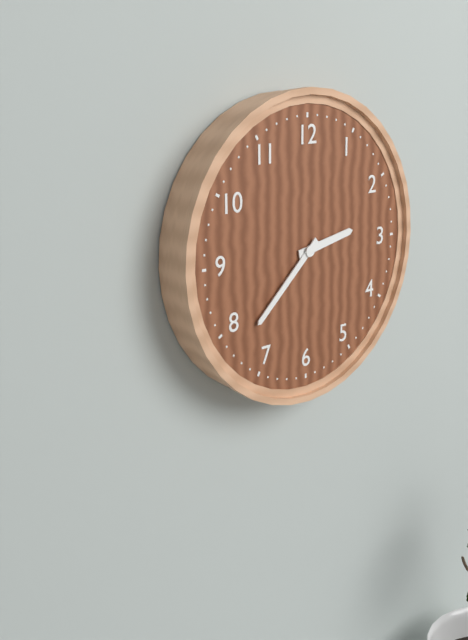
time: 2:38
